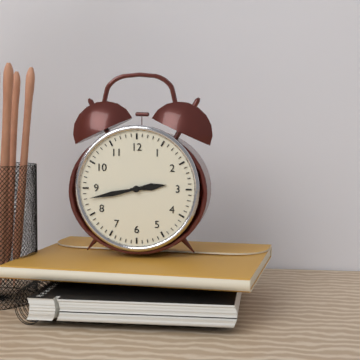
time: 2:43
